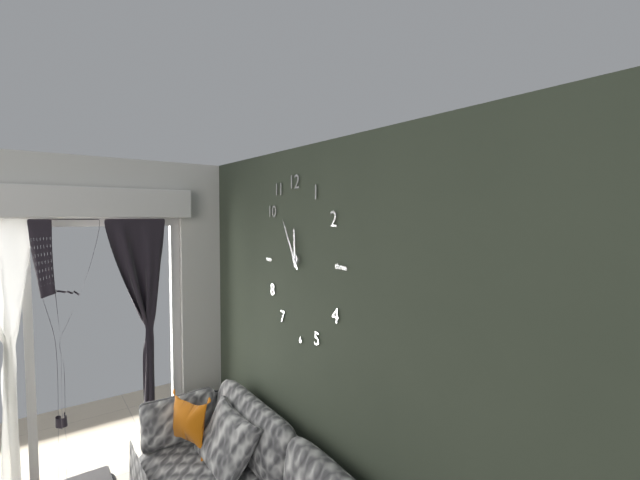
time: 11:55
